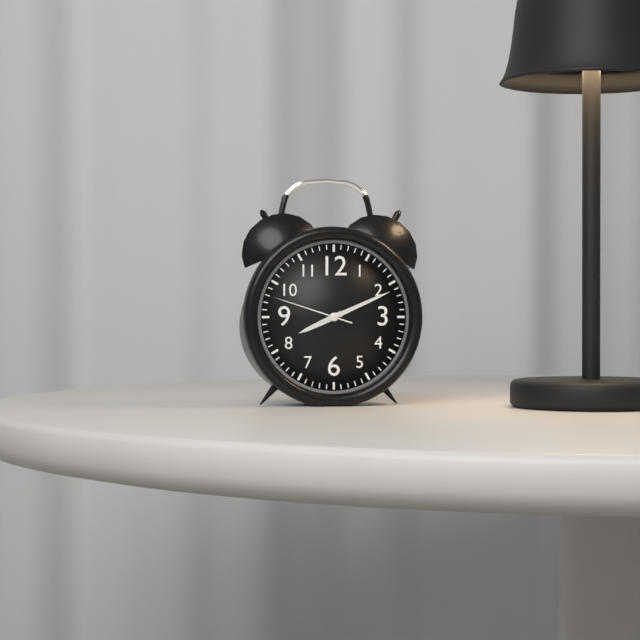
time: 8:11:48
